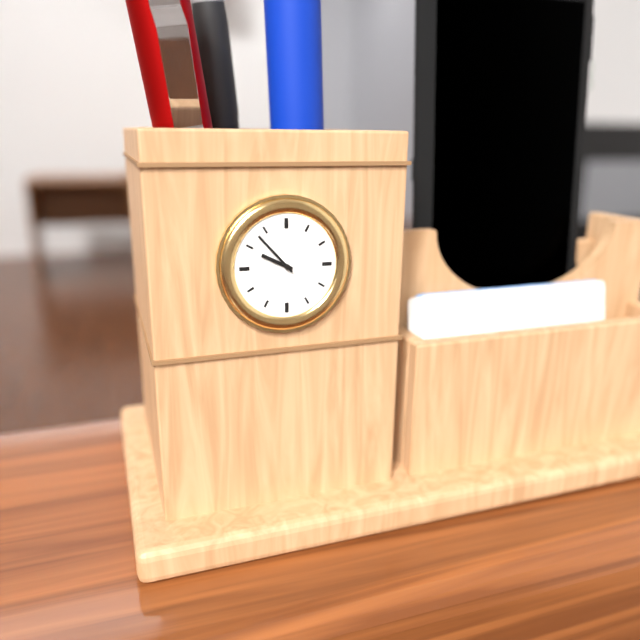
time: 9:53
